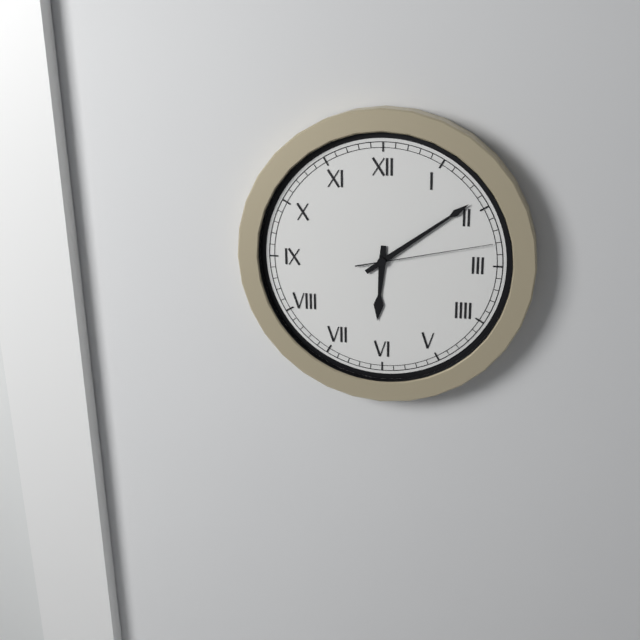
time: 6:09:13
